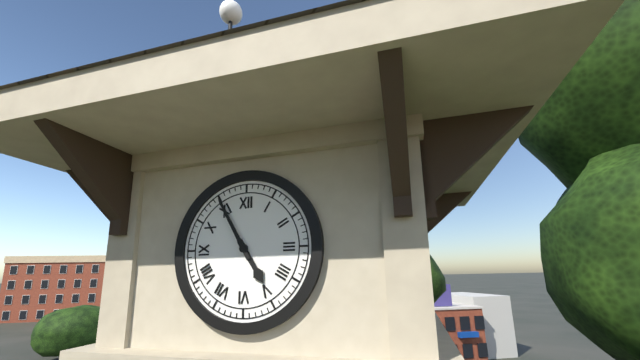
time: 4:55
